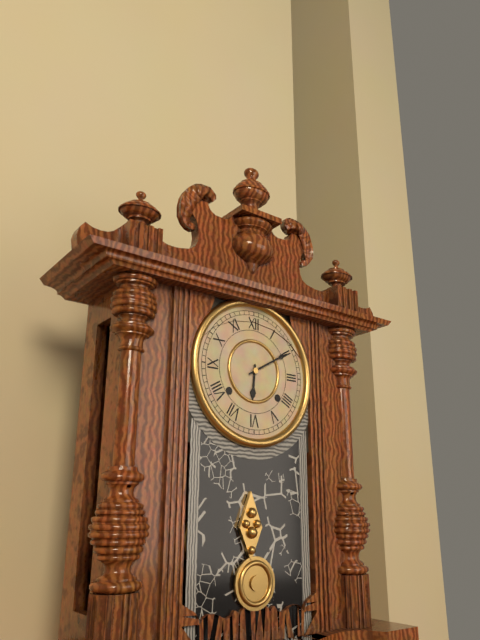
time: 6:10
